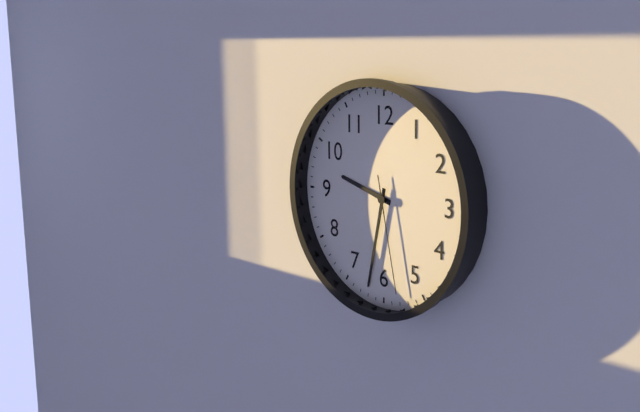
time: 9:32:28
